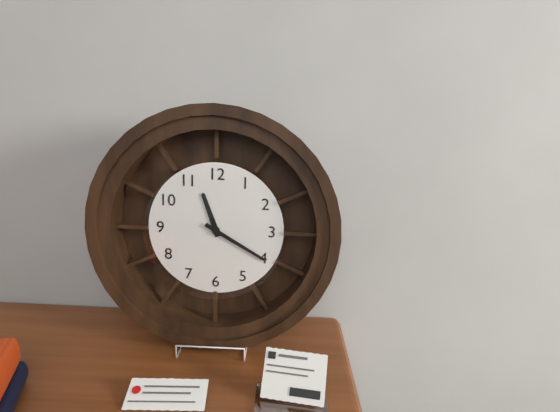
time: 11:20
